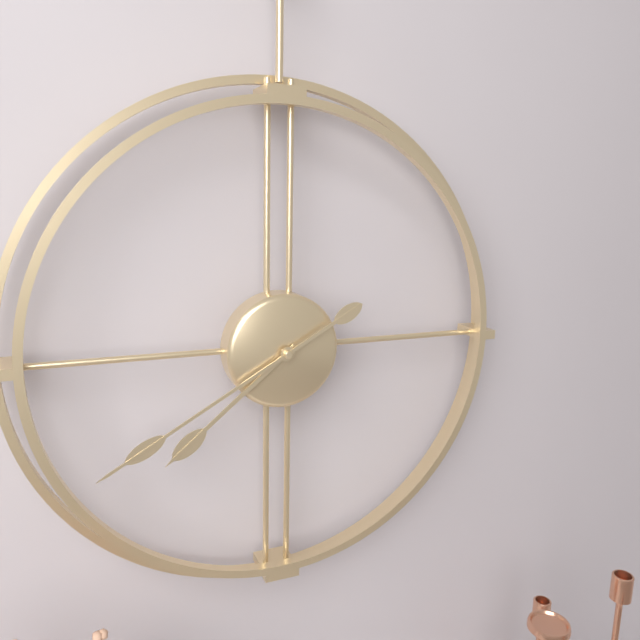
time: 7:40
